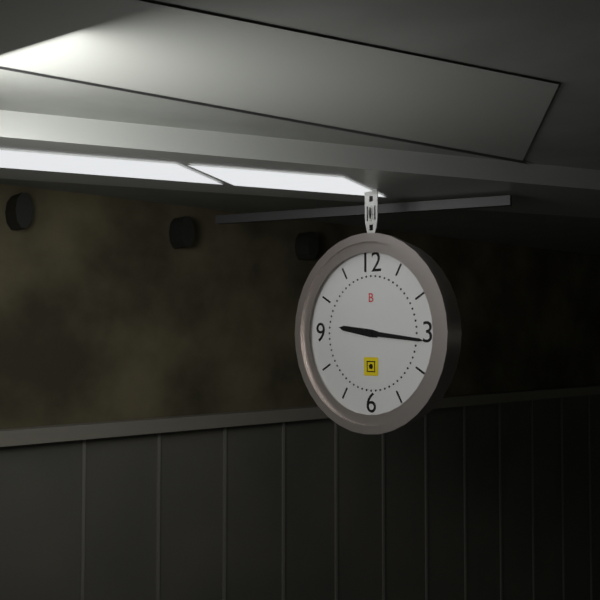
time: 9:16
